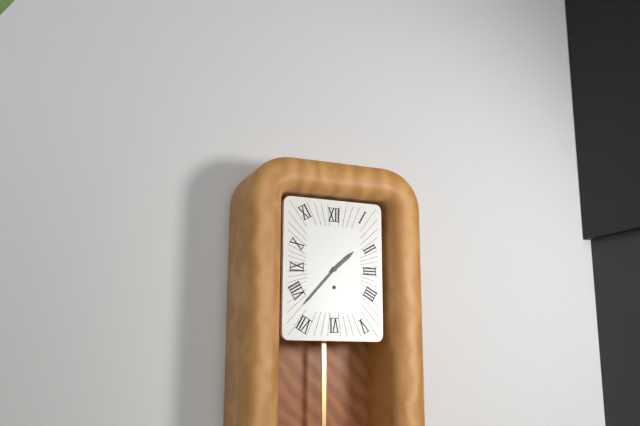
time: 1:37
